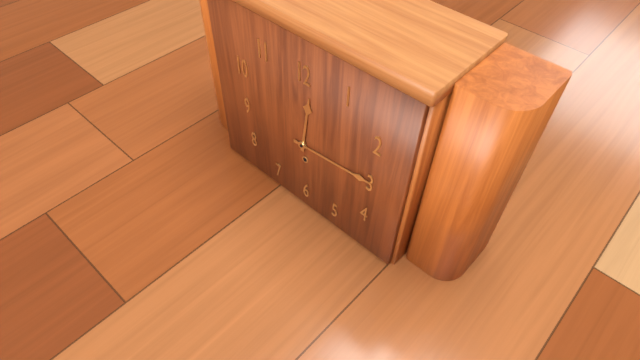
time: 12:14
